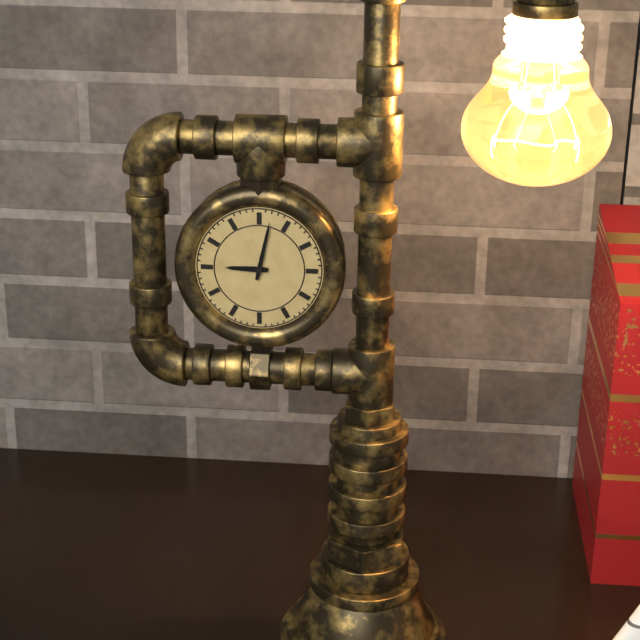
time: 9:02
